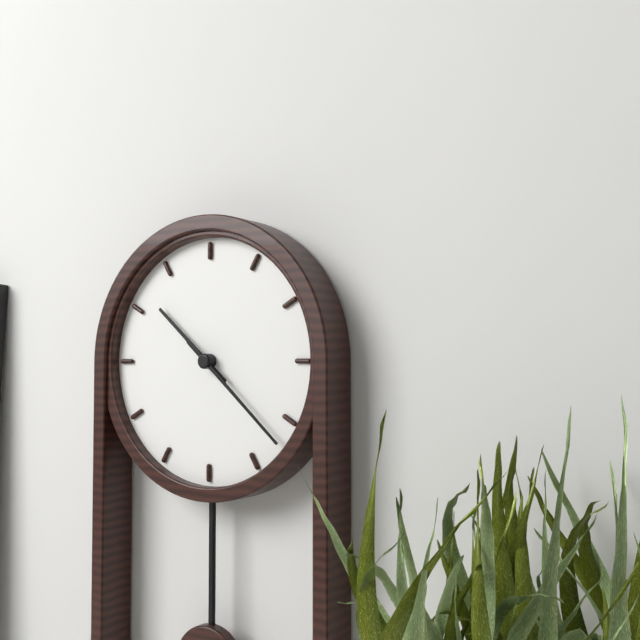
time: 10:22
